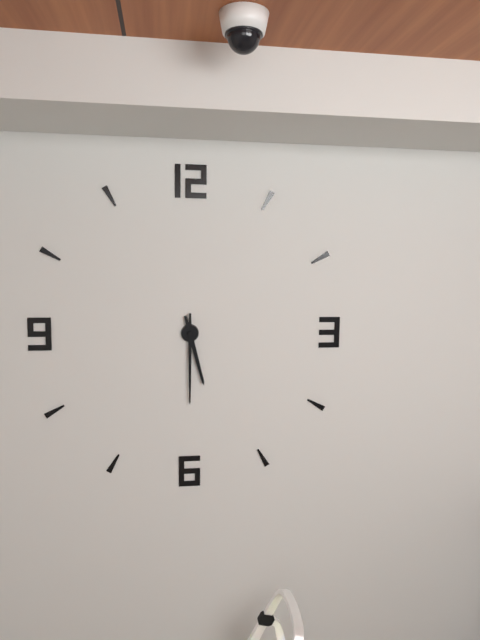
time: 5:30
